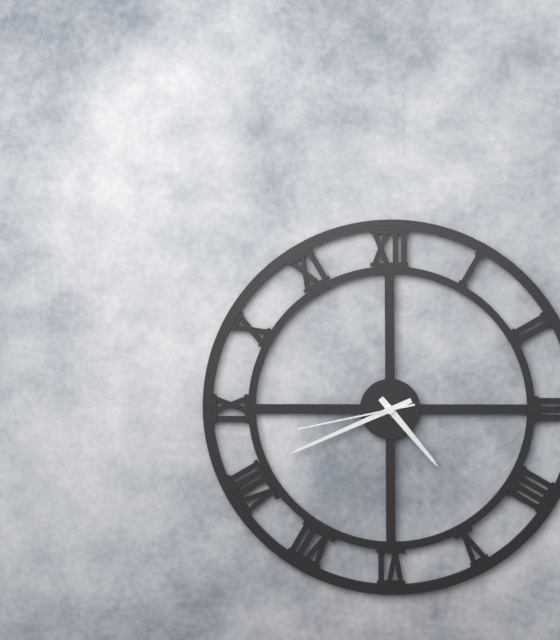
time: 4:41:43
